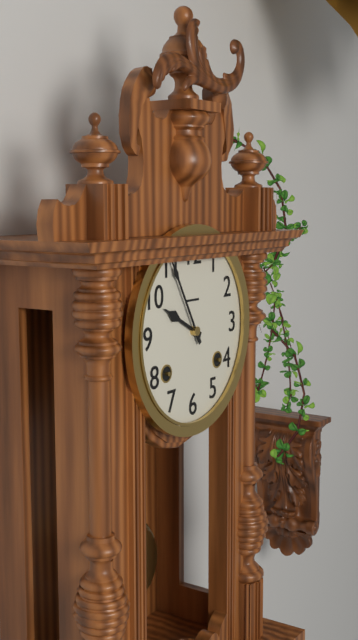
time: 9:55
